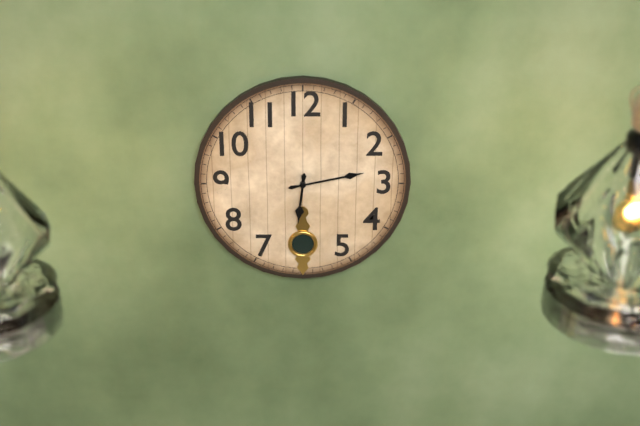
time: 6:13
